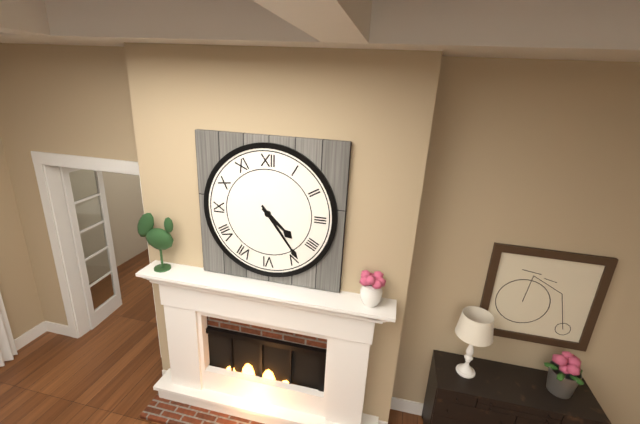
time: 4:24
